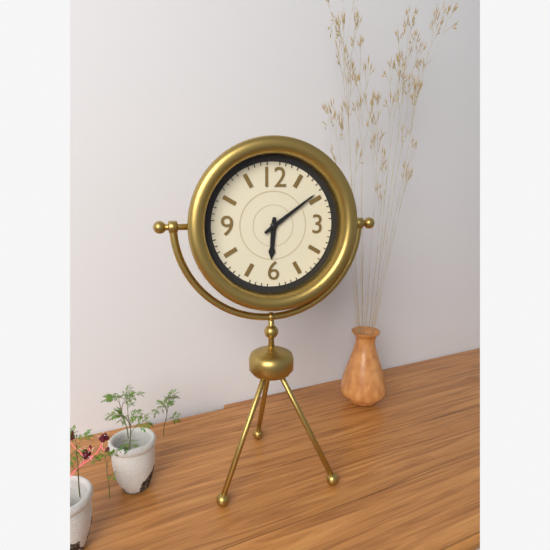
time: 6:09
